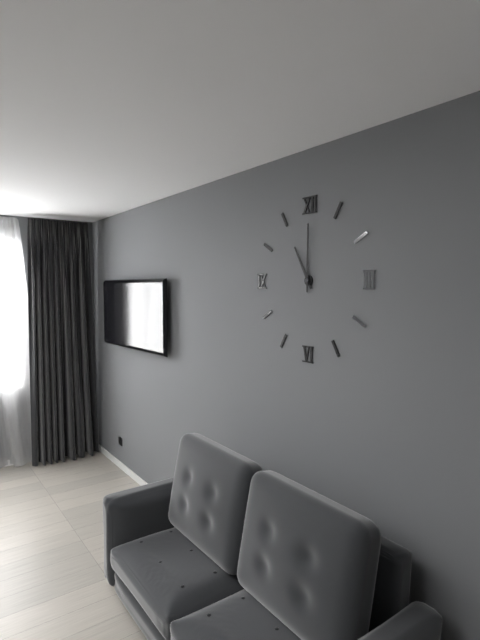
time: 11:00
